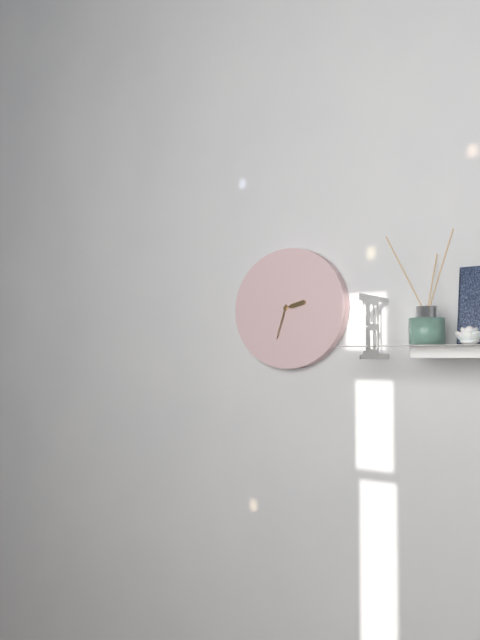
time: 2:33
